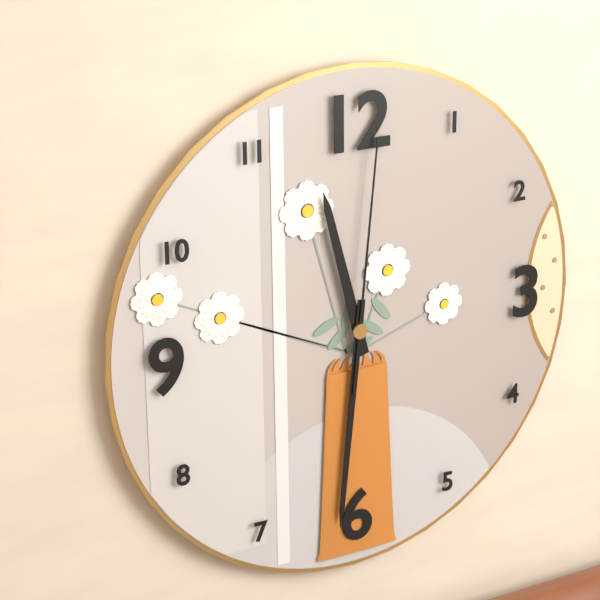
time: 11:31:01
